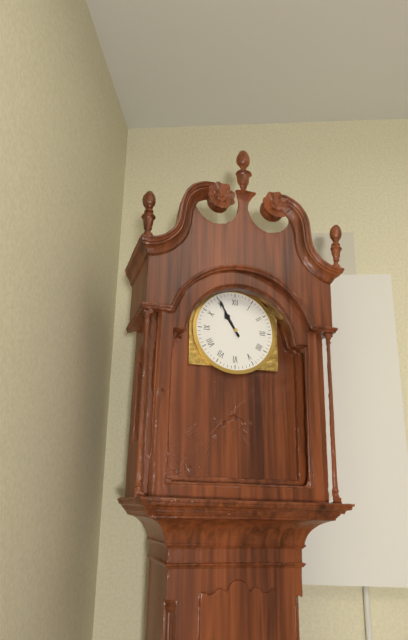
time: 10:55
